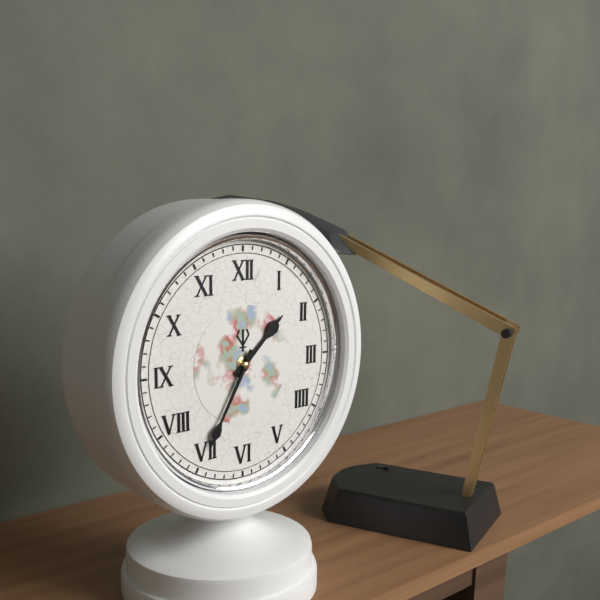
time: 1:35
